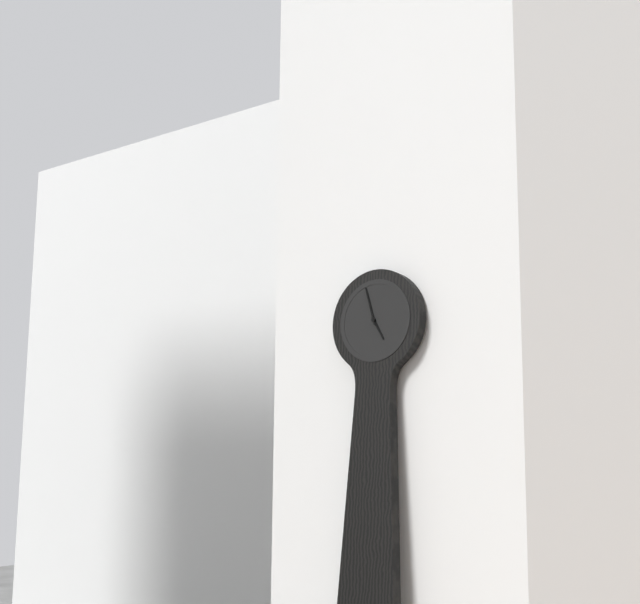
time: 4:57
